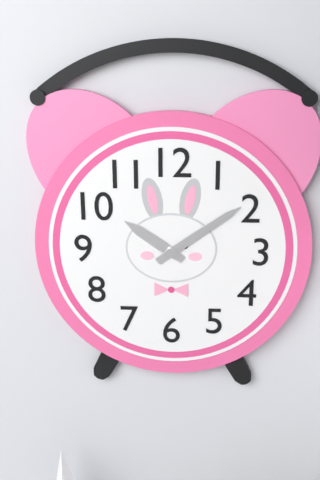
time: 10:09
